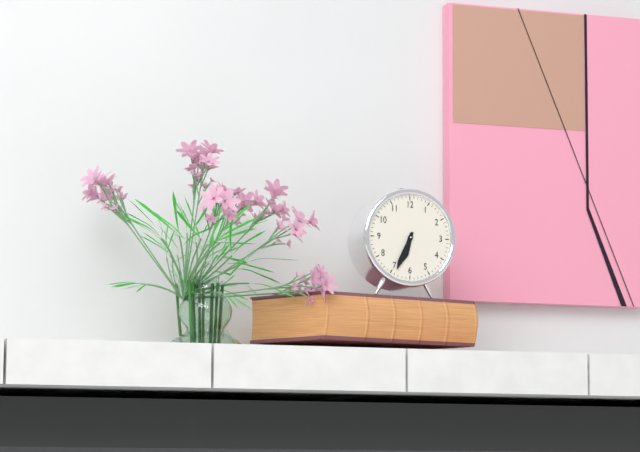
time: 6:34
